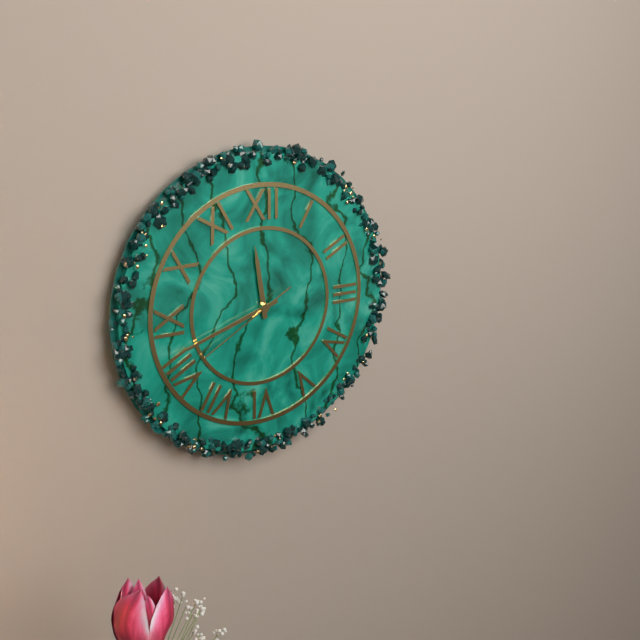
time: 11:42:40
